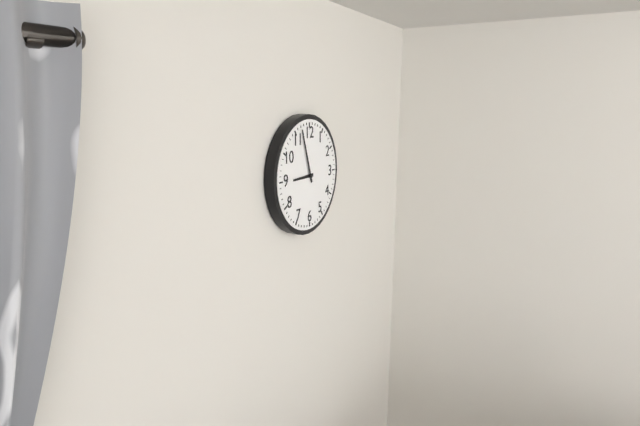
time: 8:57
